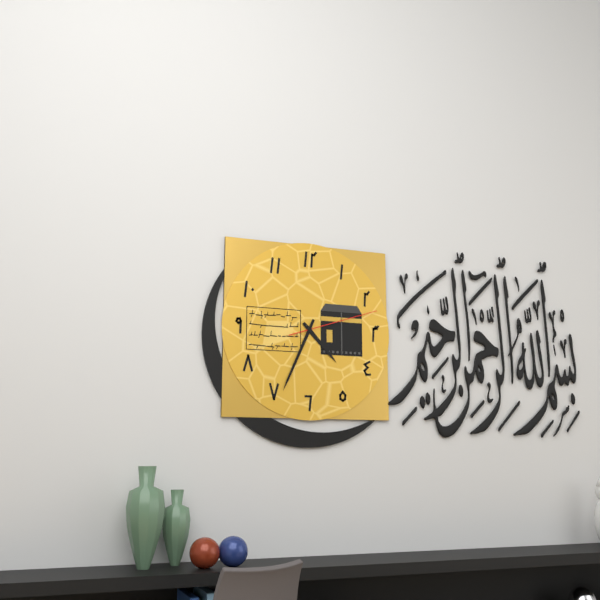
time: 4:34:12
